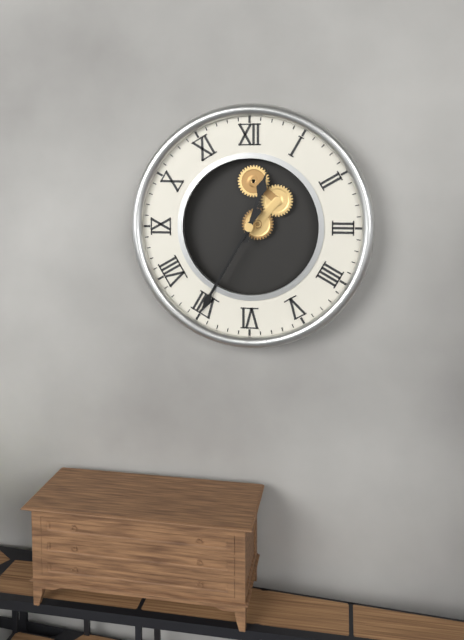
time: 12:35
